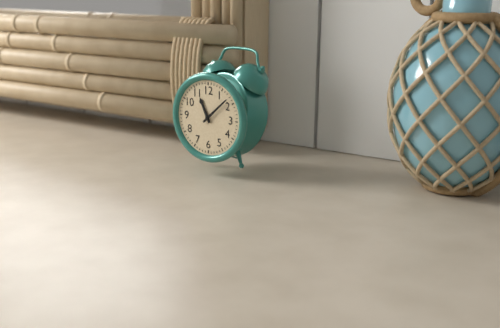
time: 11:08
